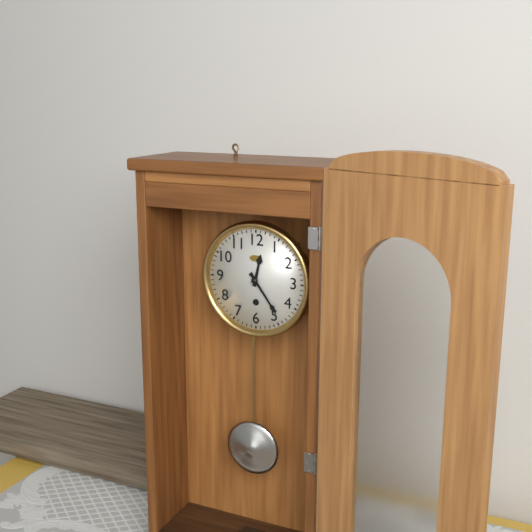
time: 12:24
